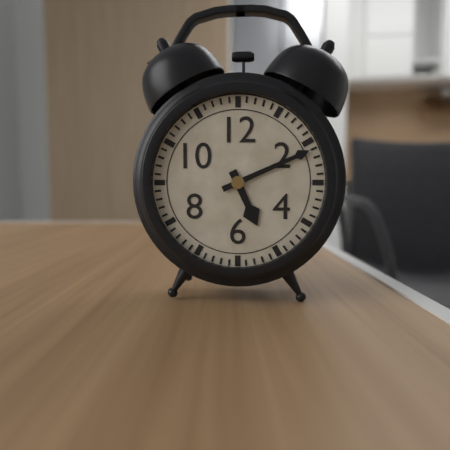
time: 5:11
